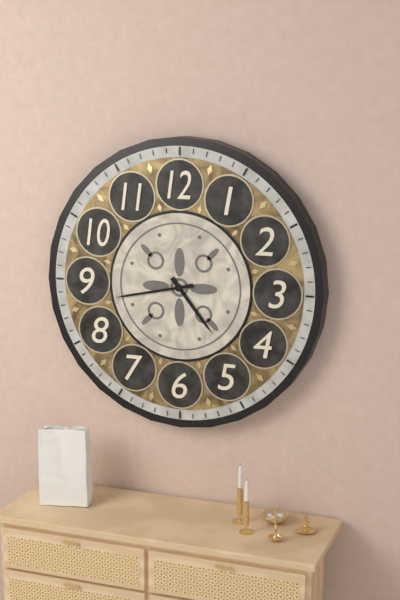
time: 4:43
